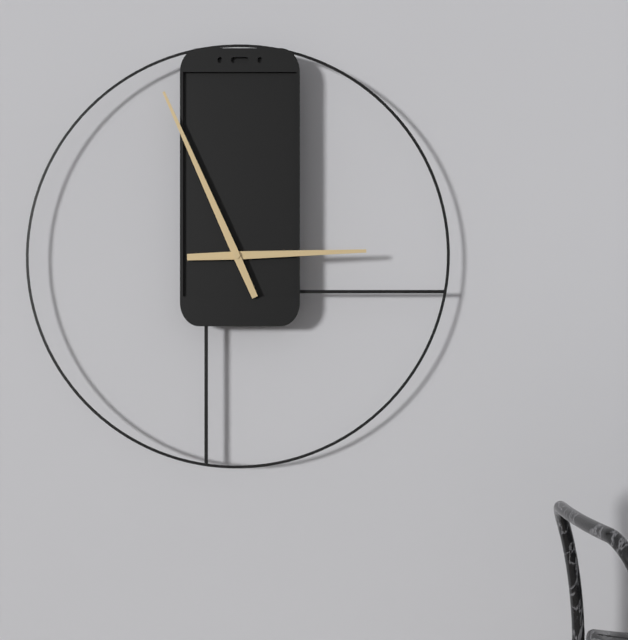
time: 2:56
